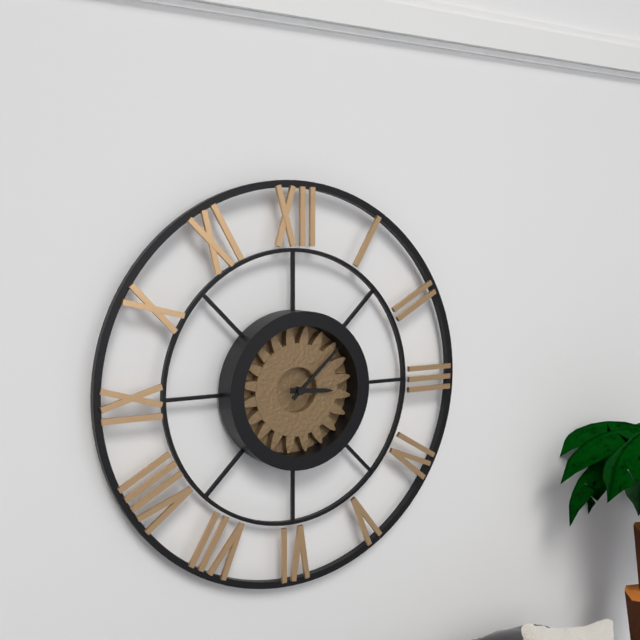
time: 3:08
